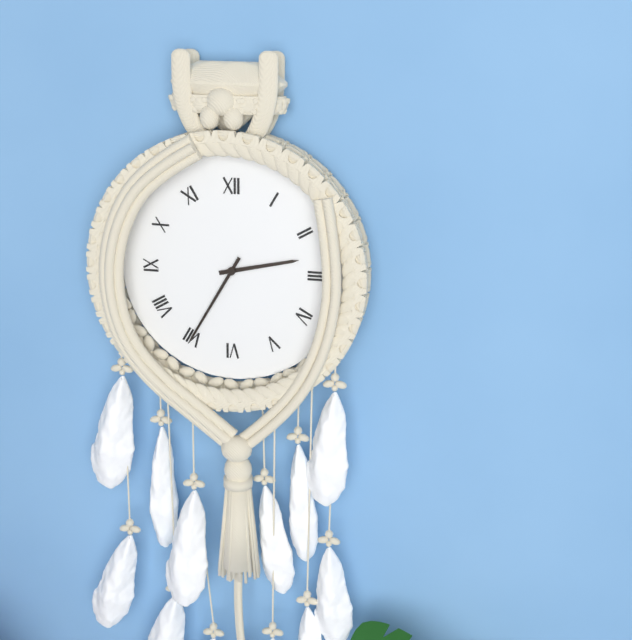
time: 2:35
